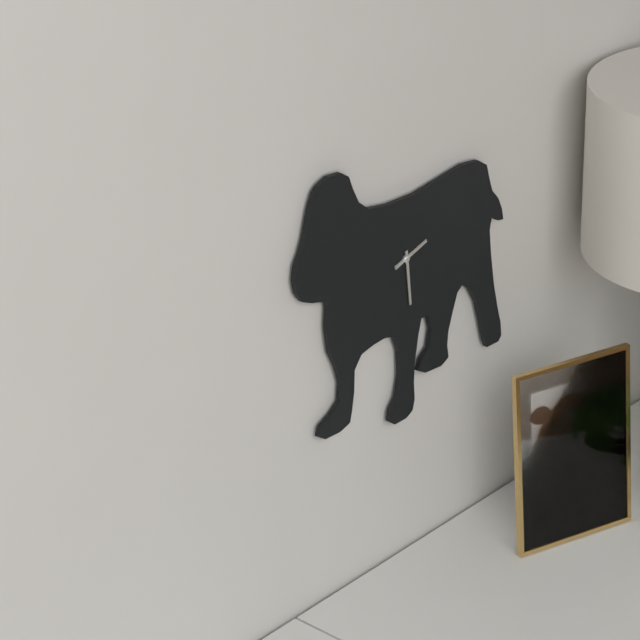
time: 2:29
